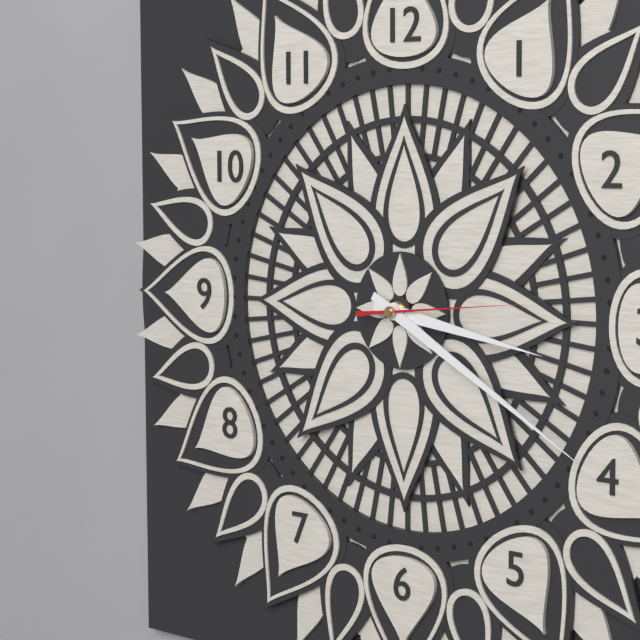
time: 3:20:14
